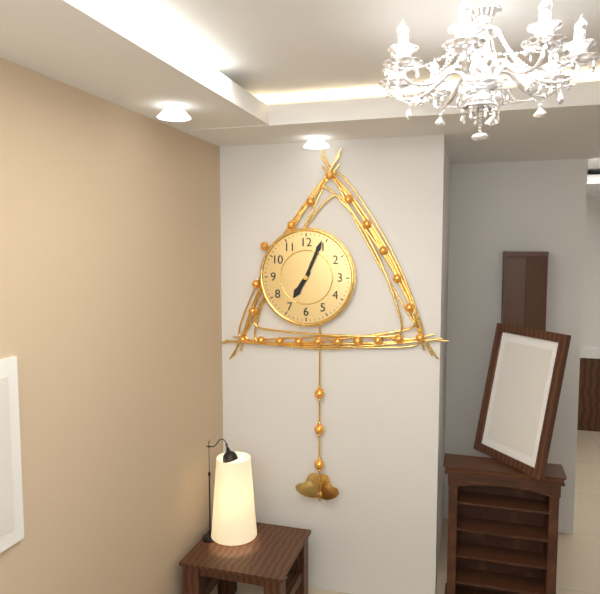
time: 7:04
